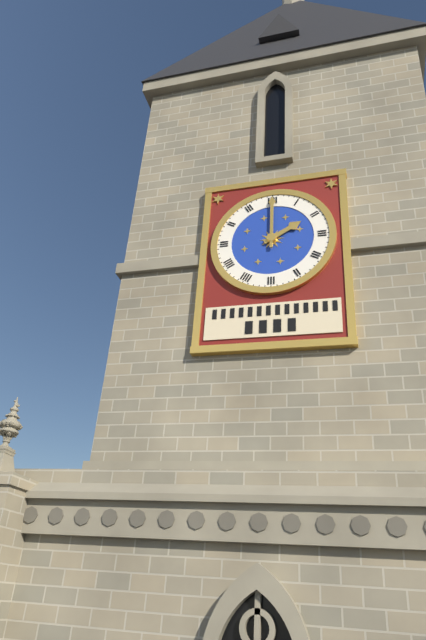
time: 2:00
